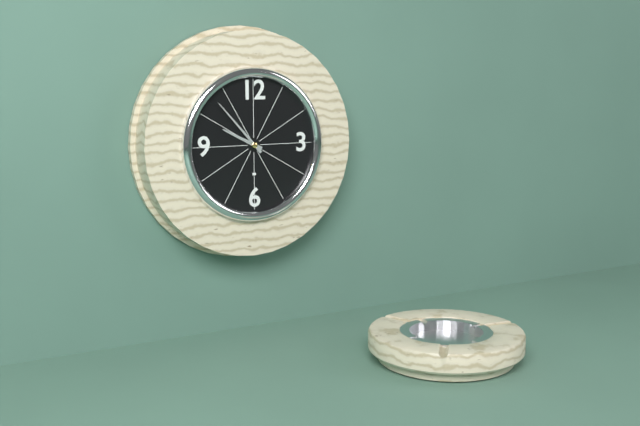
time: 9:53
